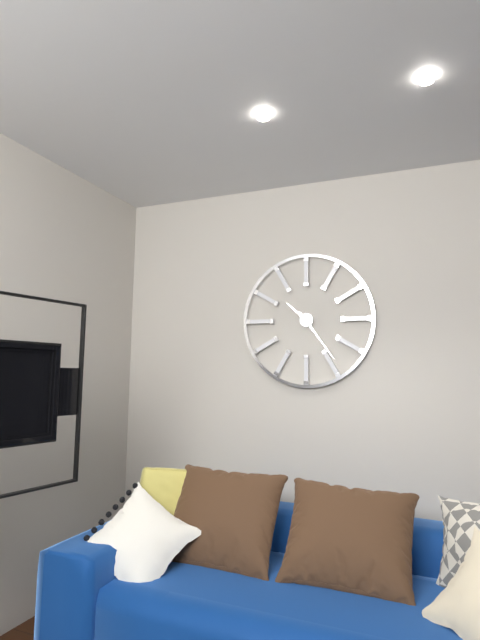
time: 10:24
